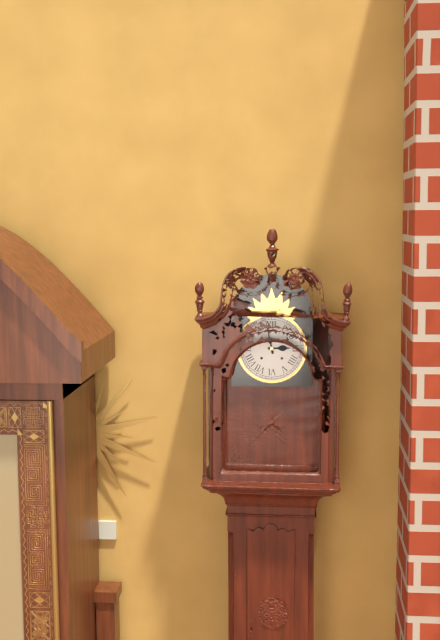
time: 2:58
